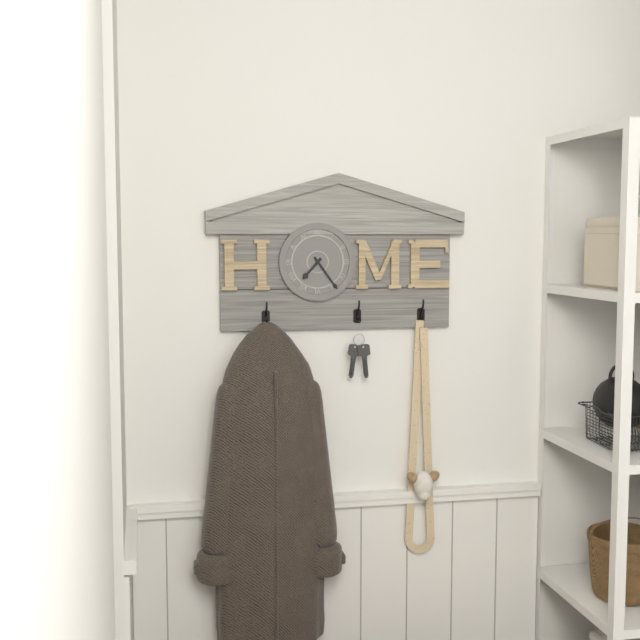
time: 7:24
